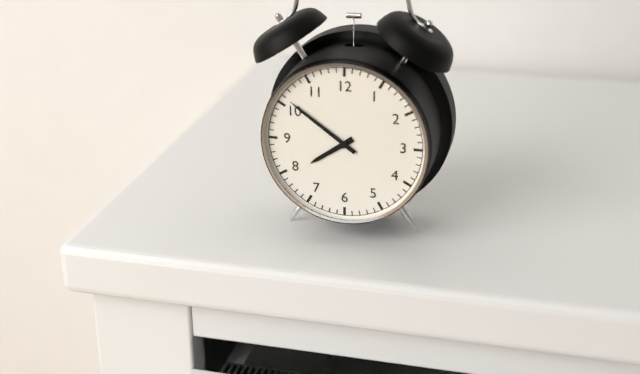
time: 7:51
